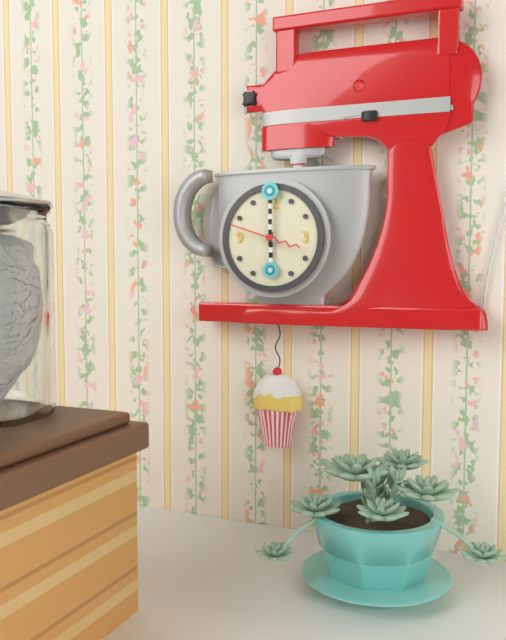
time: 6:00:48
